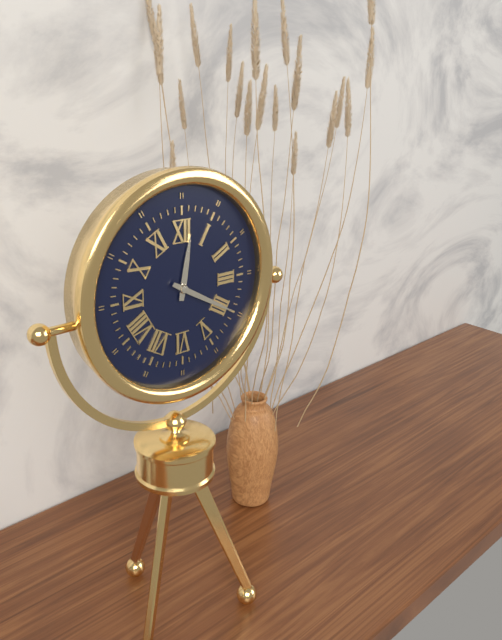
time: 12:20
